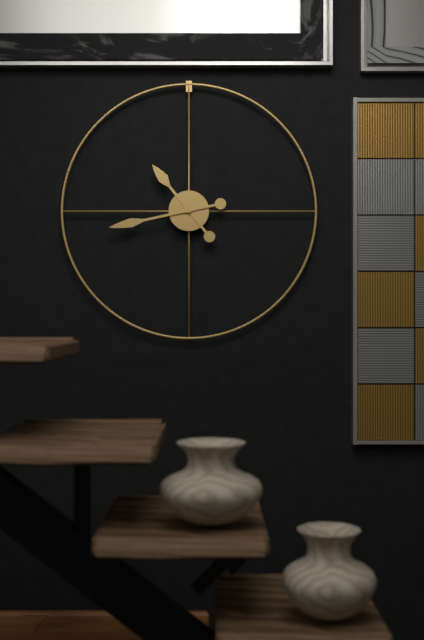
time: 10:43
